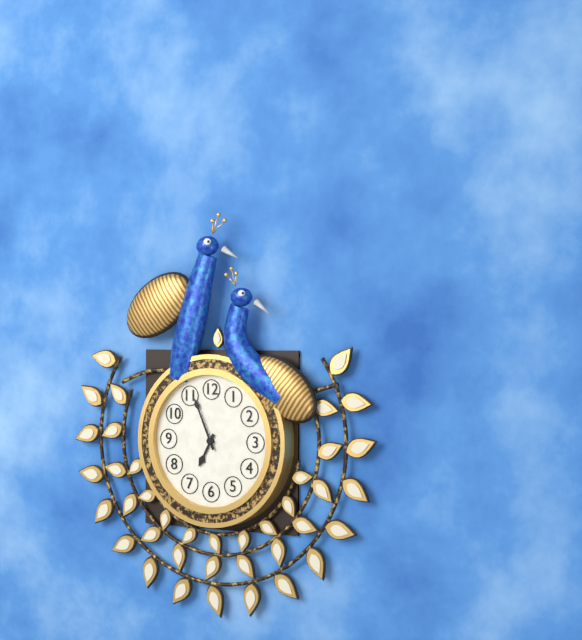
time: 6:56
